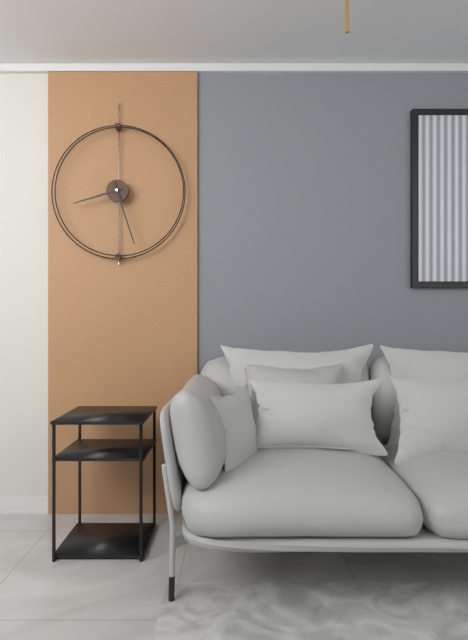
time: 8:27
